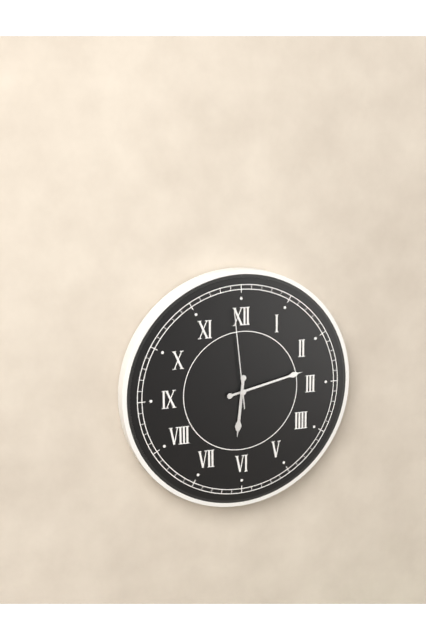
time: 6:13:59
